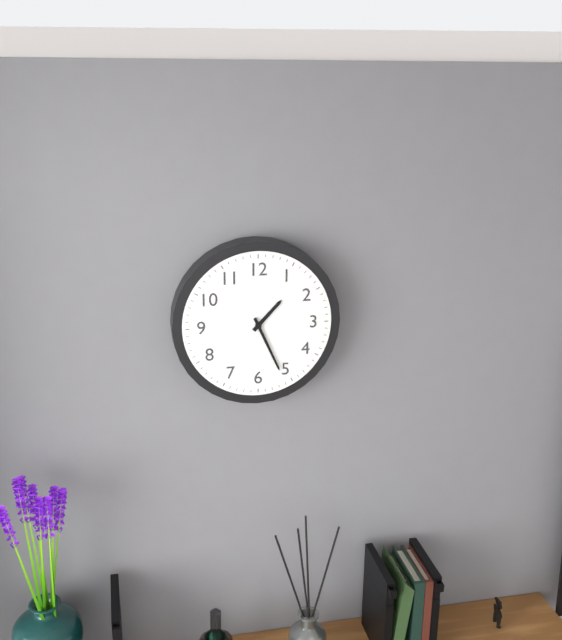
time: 1:26
